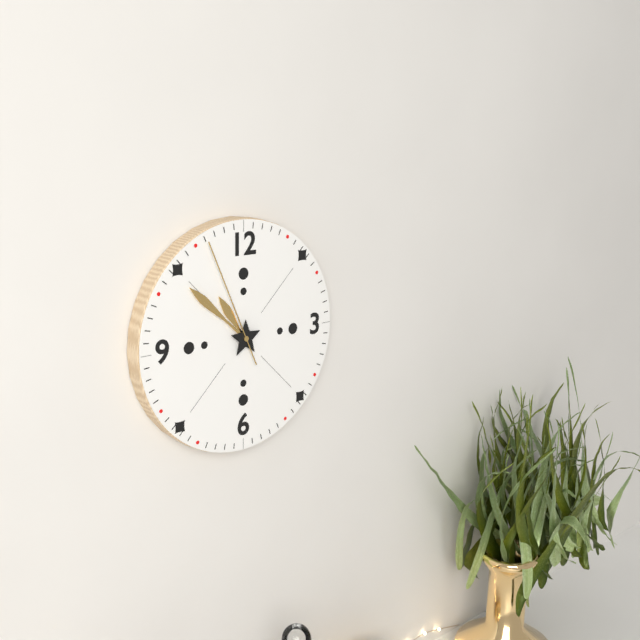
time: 10:52:56
